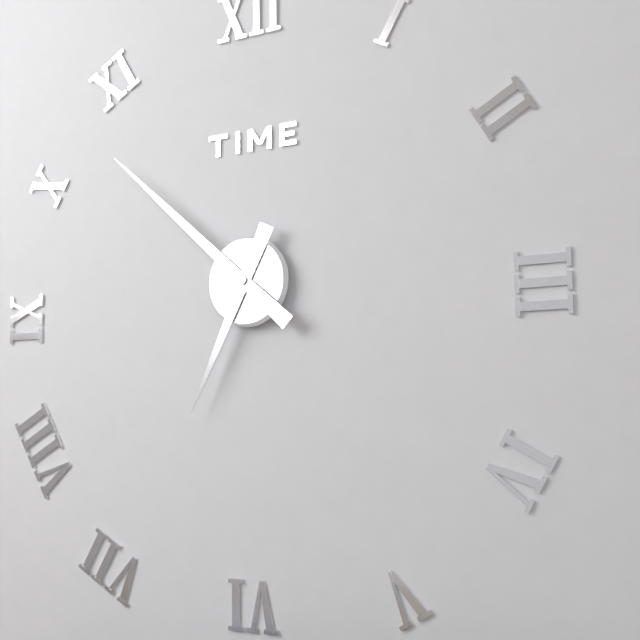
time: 6:52
